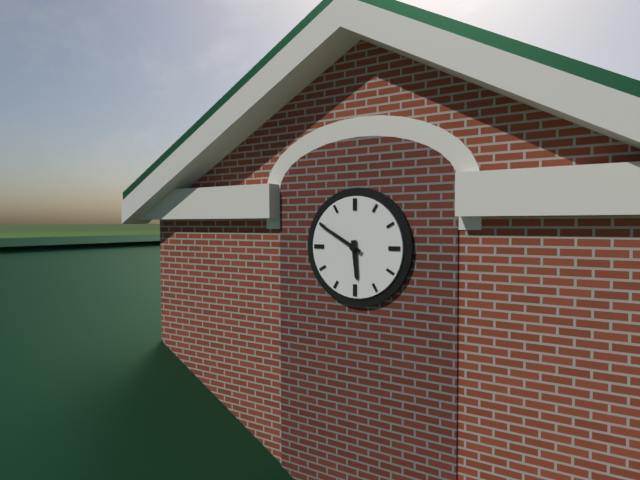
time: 5:50
